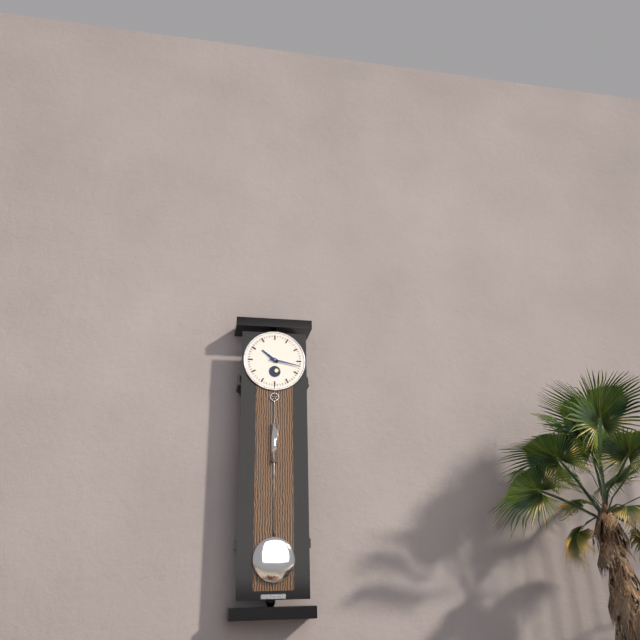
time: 10:17
